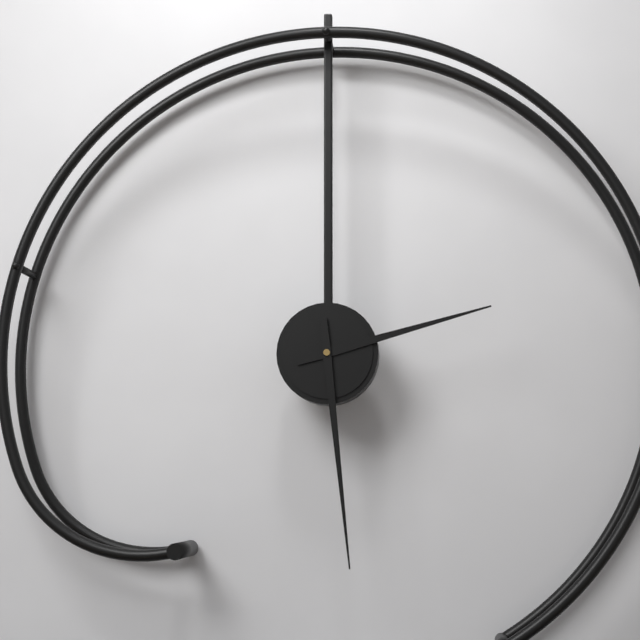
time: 2:29
